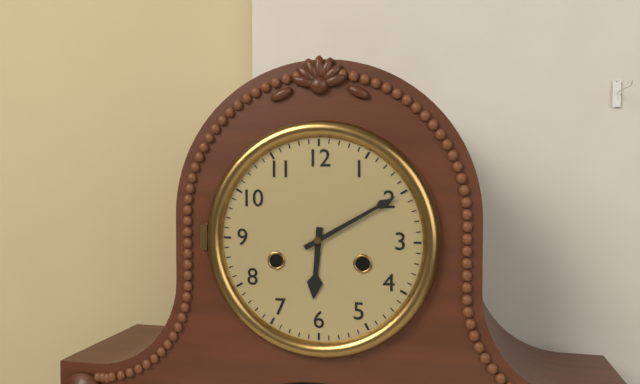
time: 6:10
